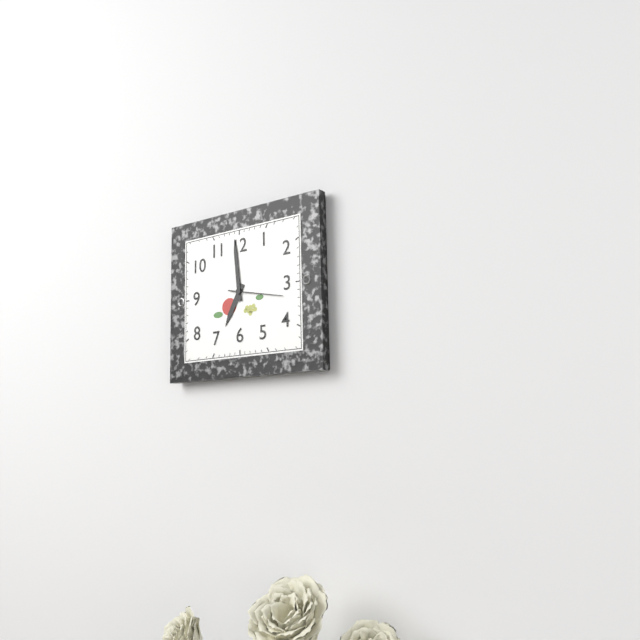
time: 6:59:17
